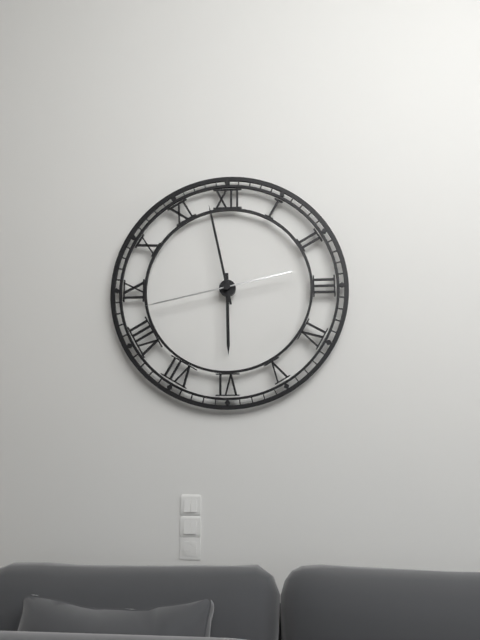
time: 5:58:43
